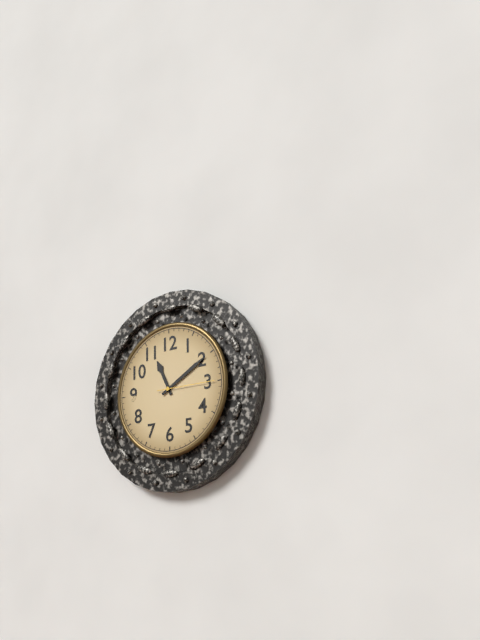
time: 11:10:15
